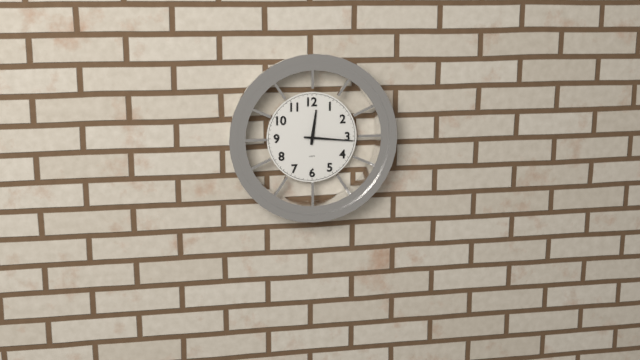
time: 12:16
